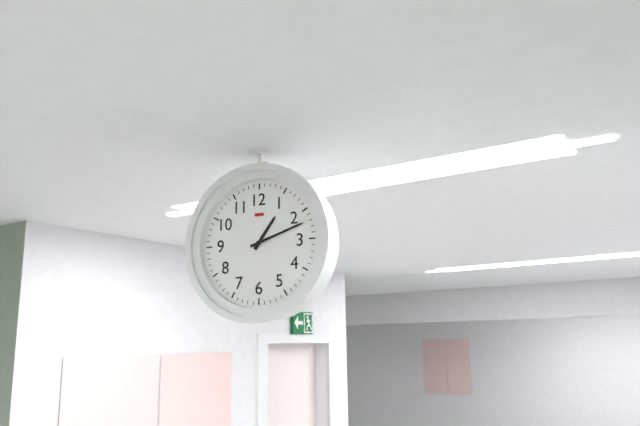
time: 1:12
